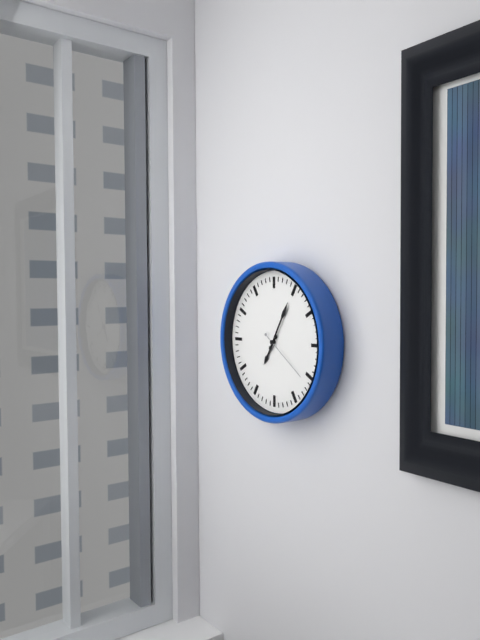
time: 7:05
